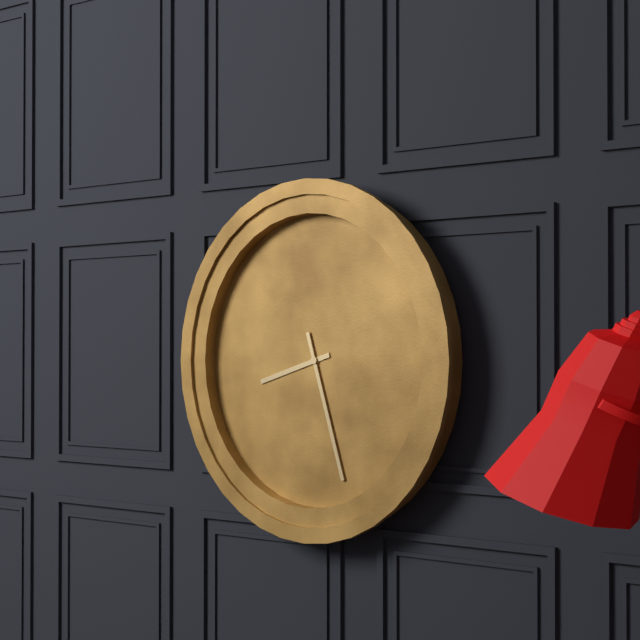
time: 8:27
